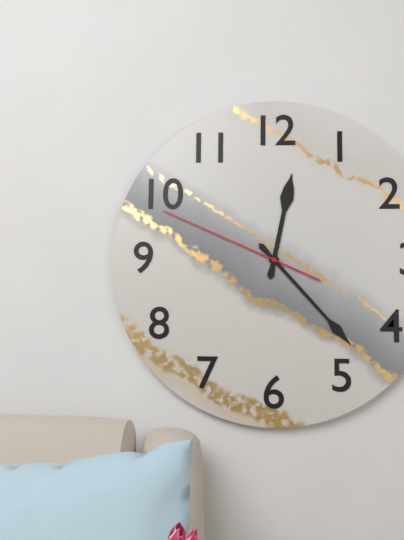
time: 12:23:49
